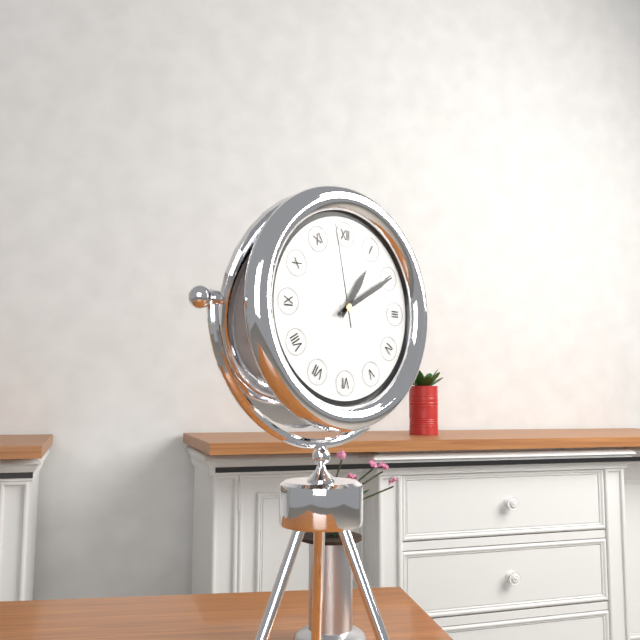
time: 1:10:58
